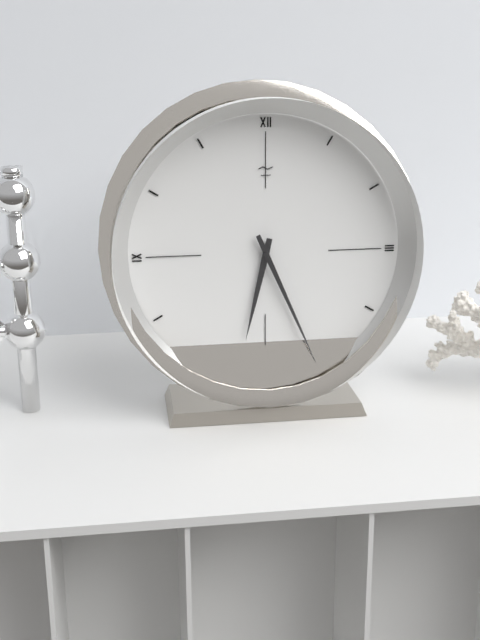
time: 6:26
